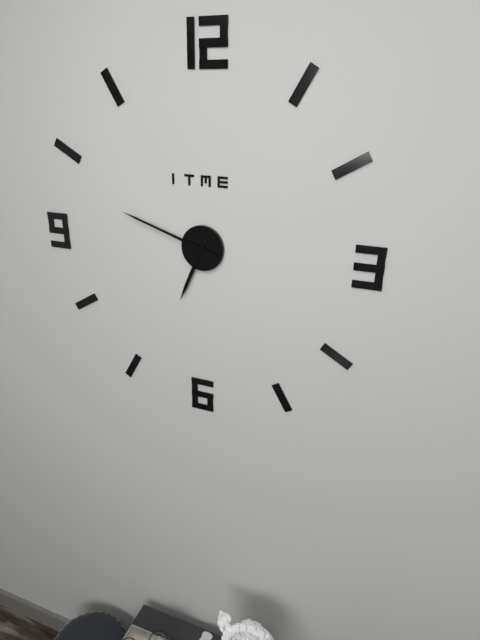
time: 6:48
